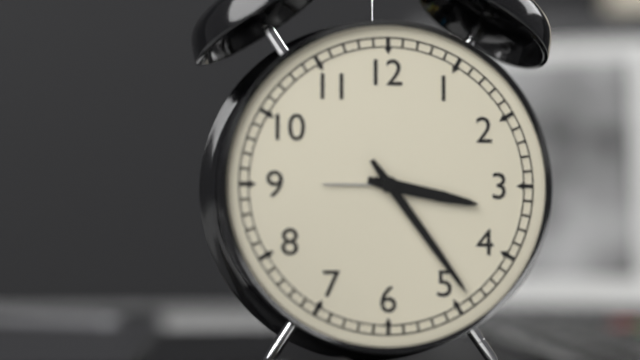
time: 3:24
